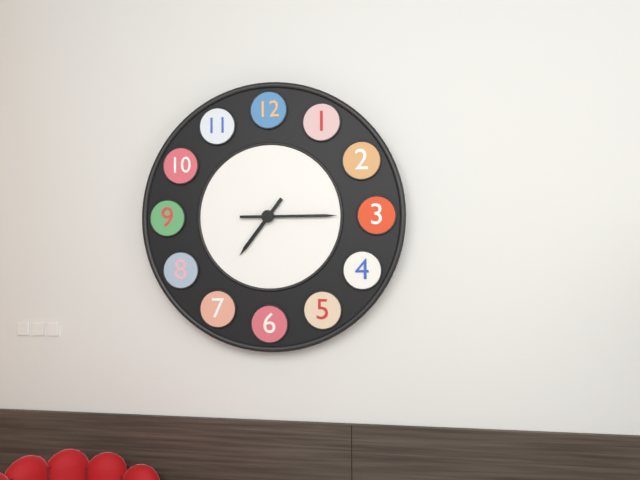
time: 7:15
